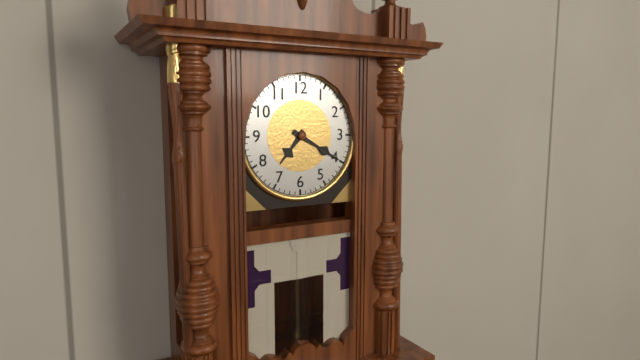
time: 7:20
